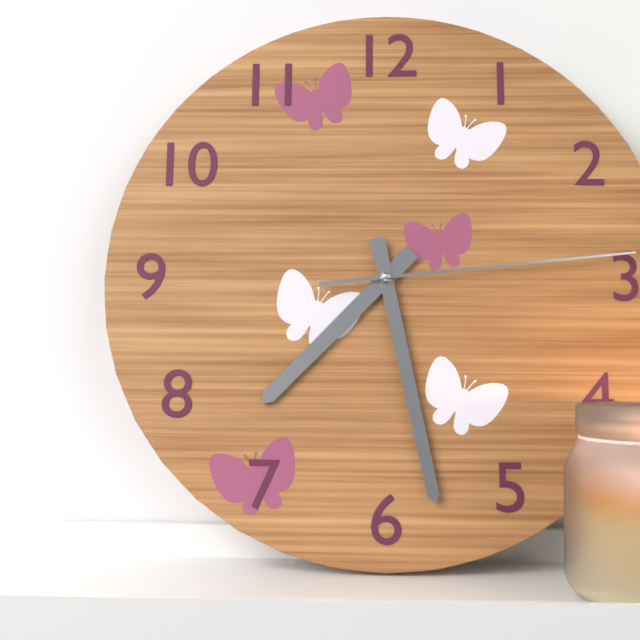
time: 7:28:14
